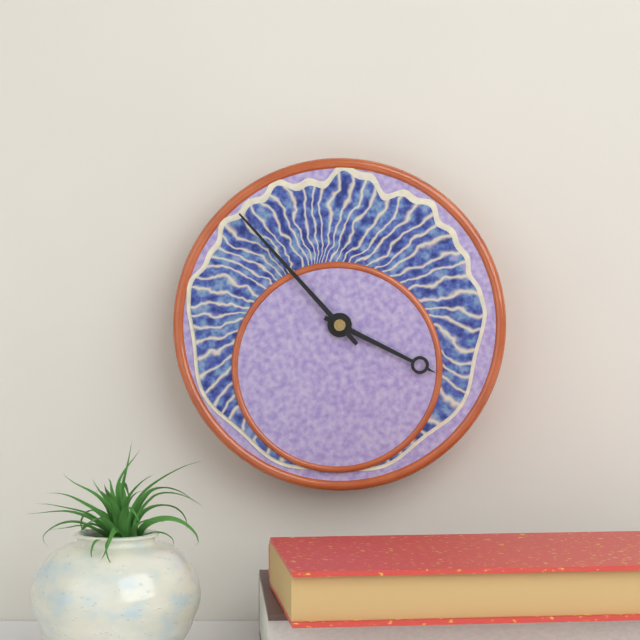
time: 3:53
